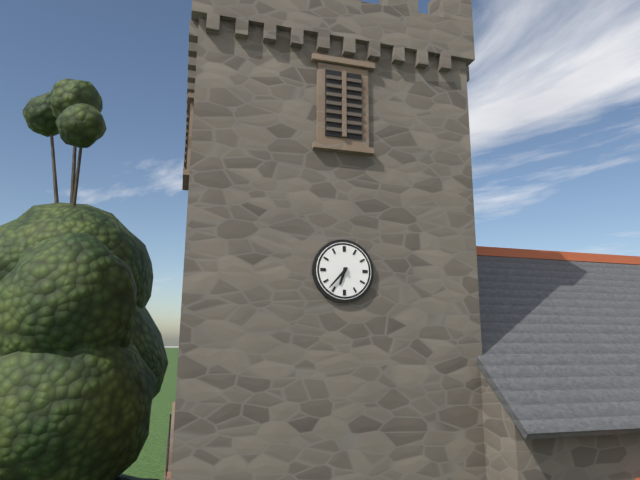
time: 6:37
